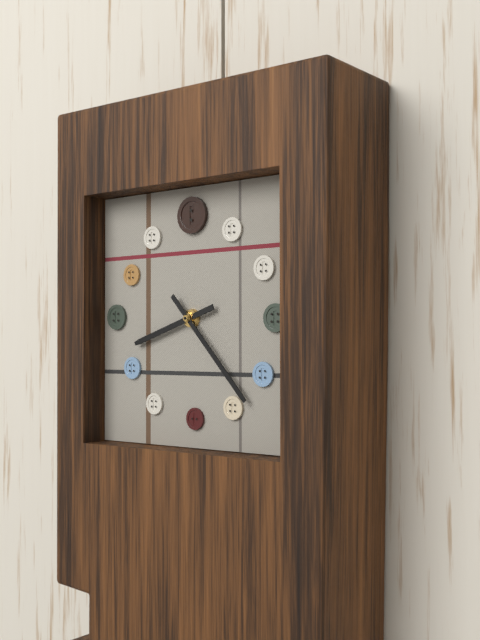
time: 8:23
